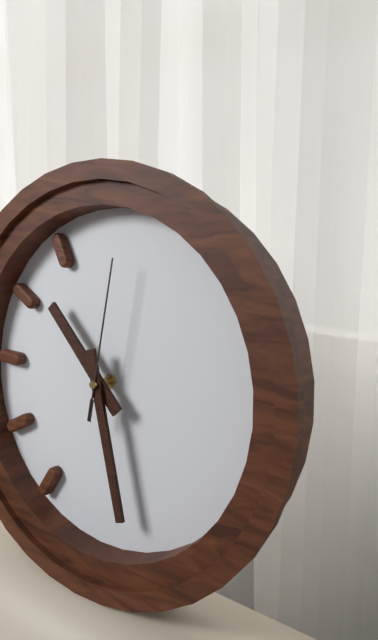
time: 10:27:01
